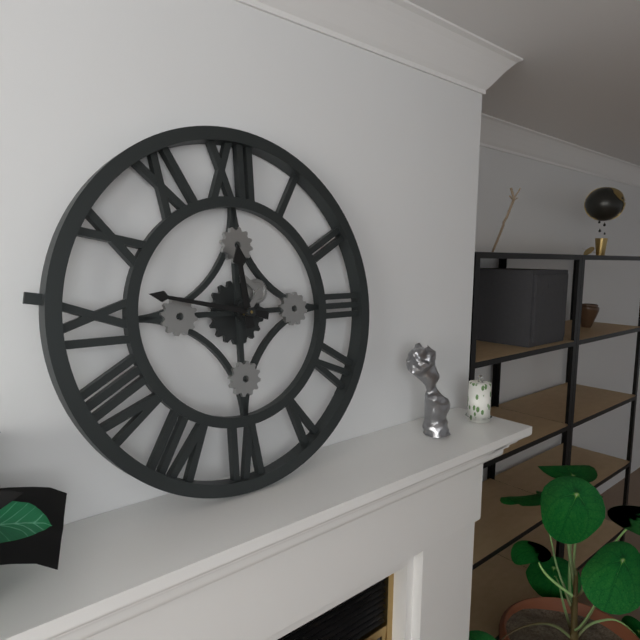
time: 11:47
